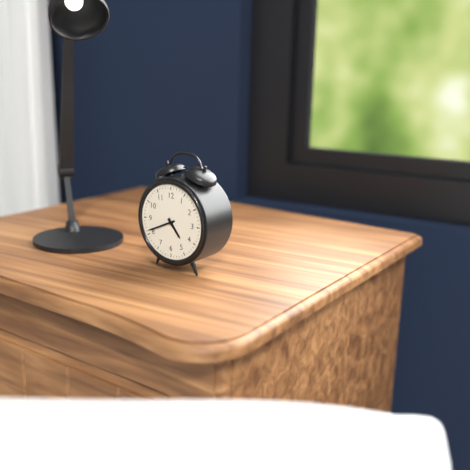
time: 4:41
